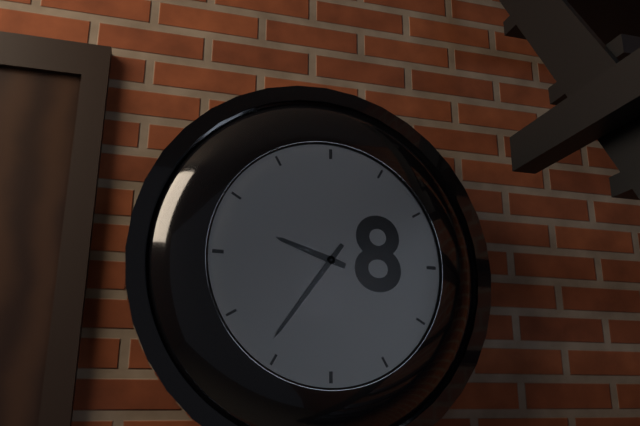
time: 9:36
